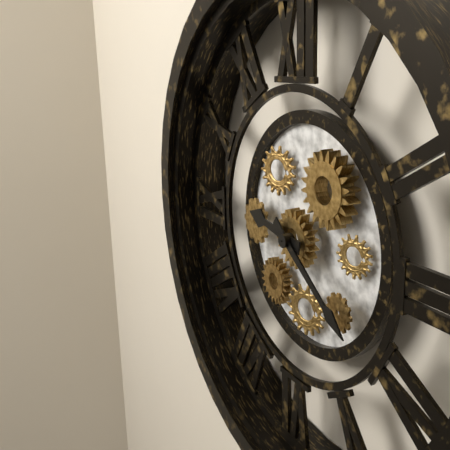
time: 9:21
